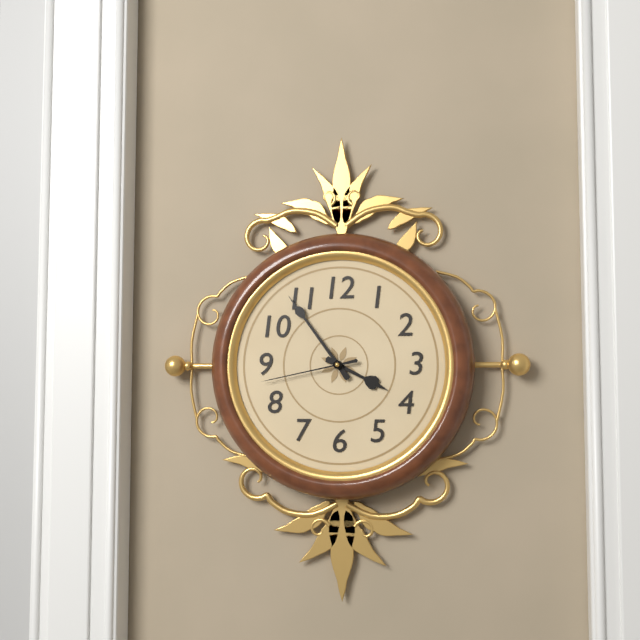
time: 3:54:43
